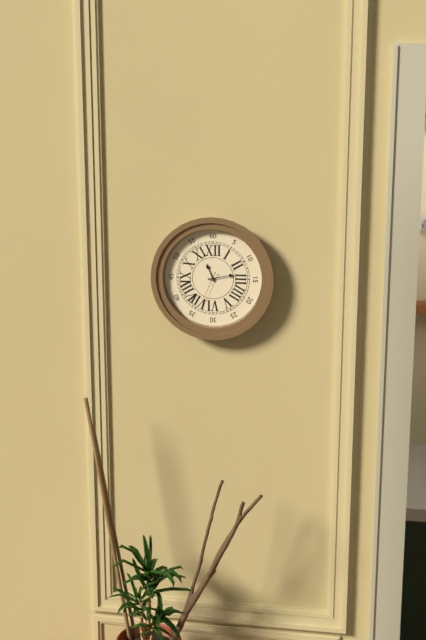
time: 11:13
